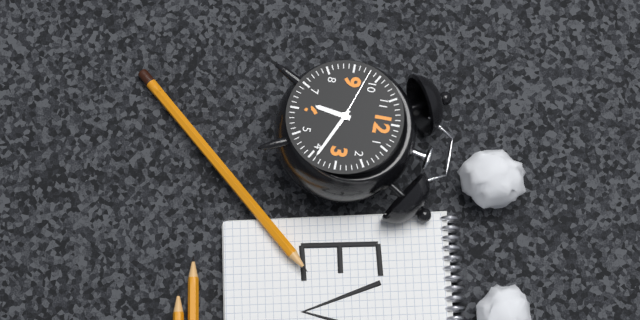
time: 6:19:48
